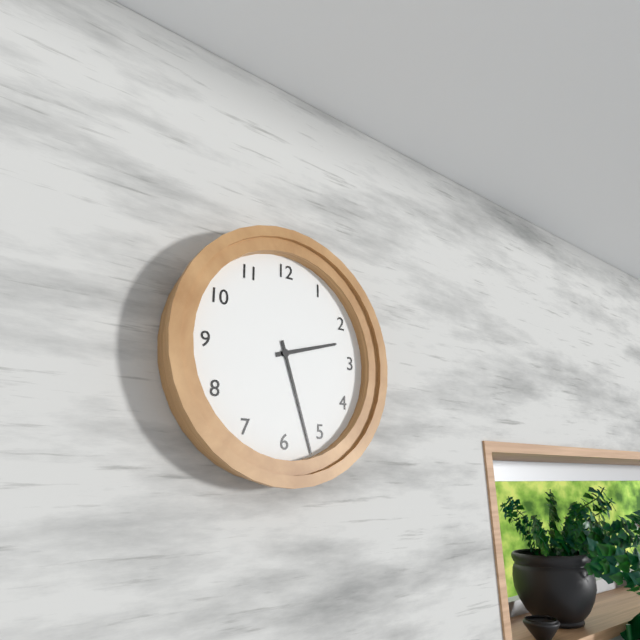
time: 2:27
